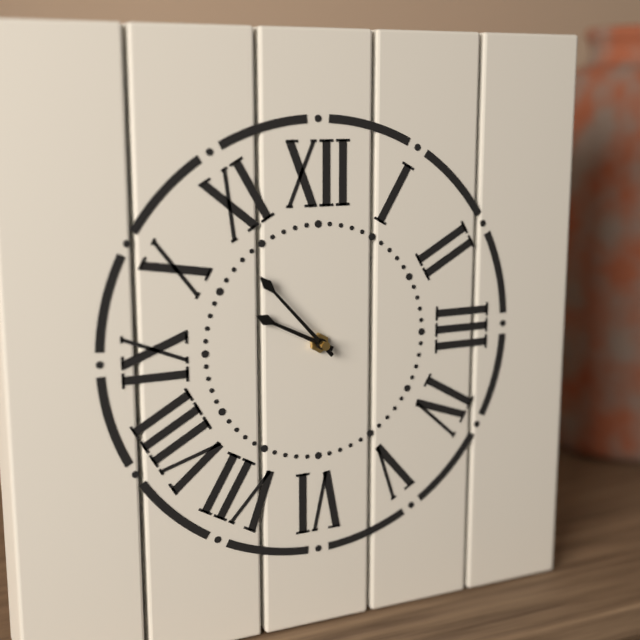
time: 9:53
